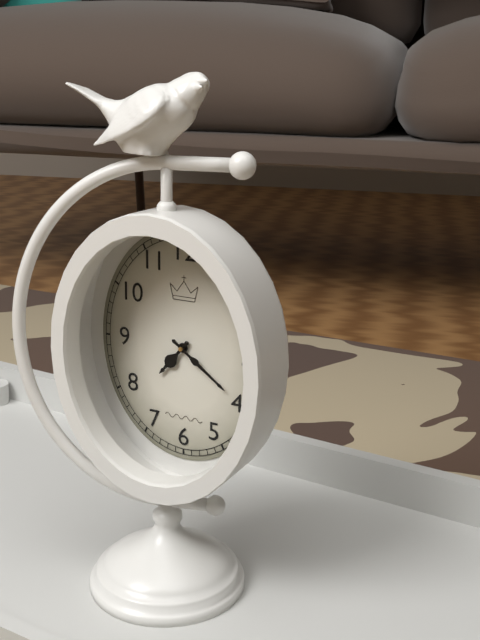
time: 7:21
